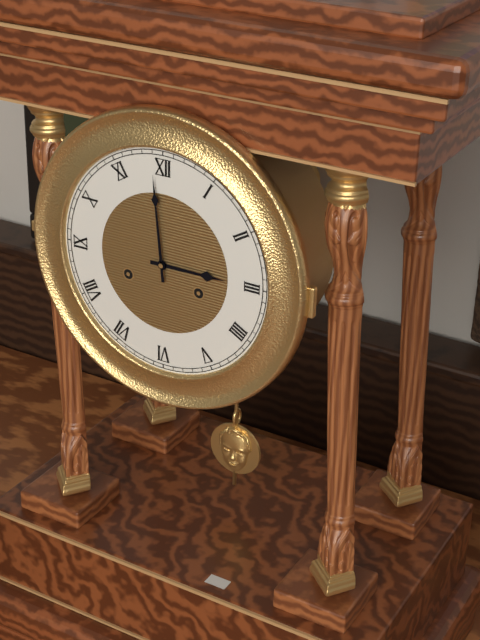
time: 2:59
